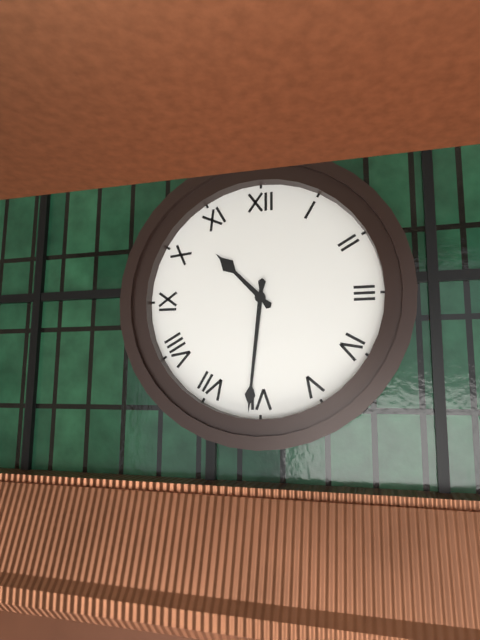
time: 10:31
